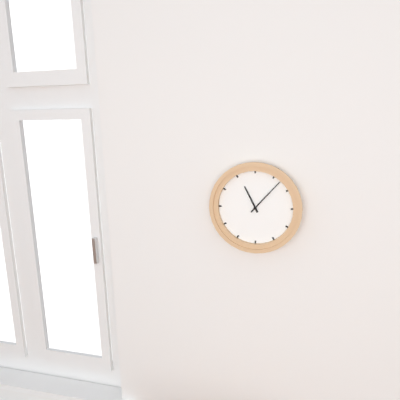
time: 11:07
